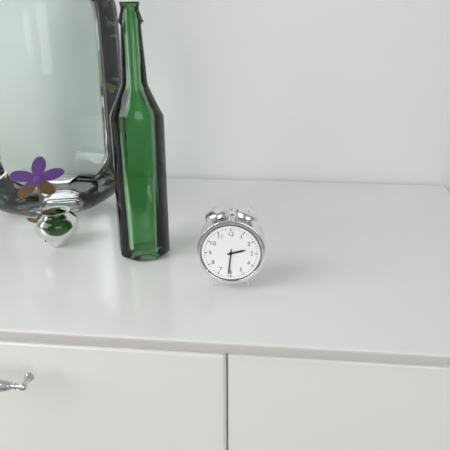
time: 2:31
